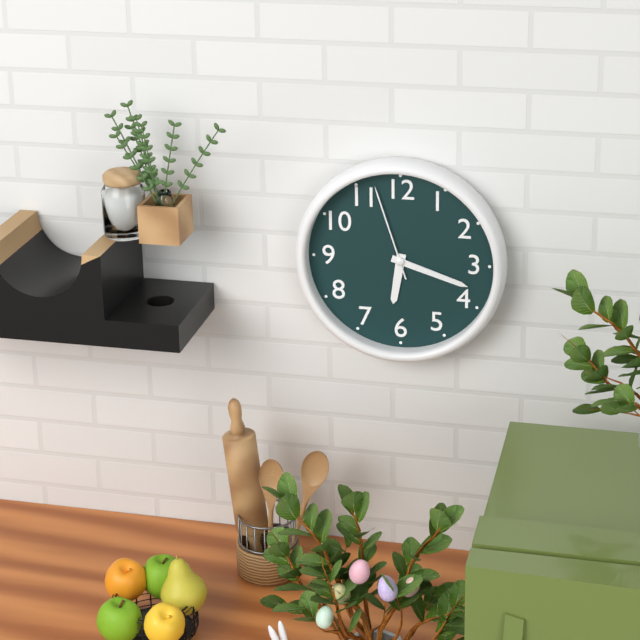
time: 6:18:57
